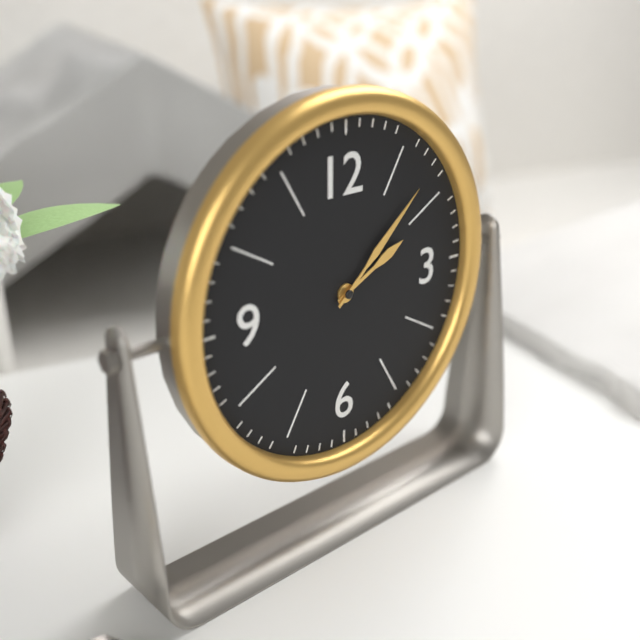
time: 2:08
